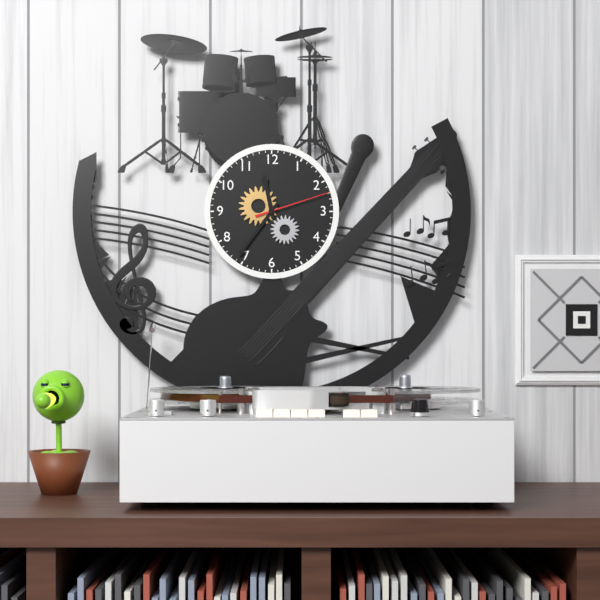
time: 11:36:12
